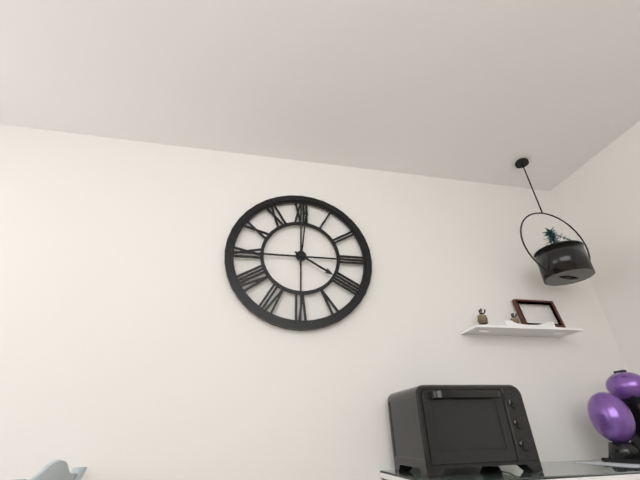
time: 4:01
